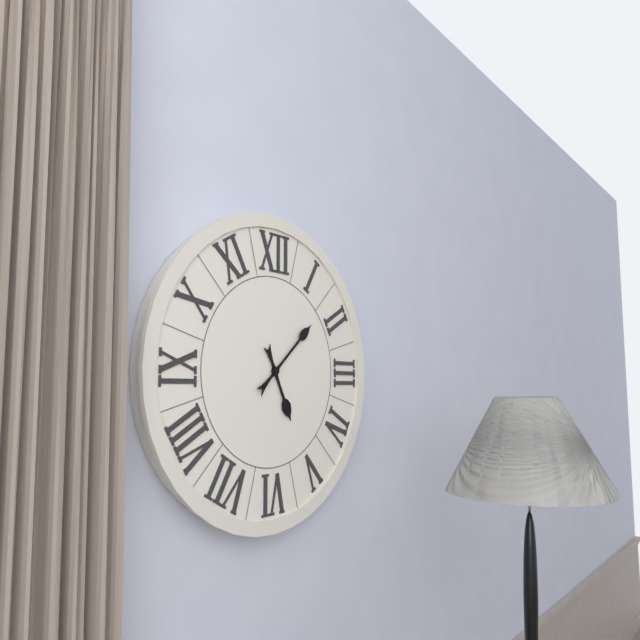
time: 5:08
